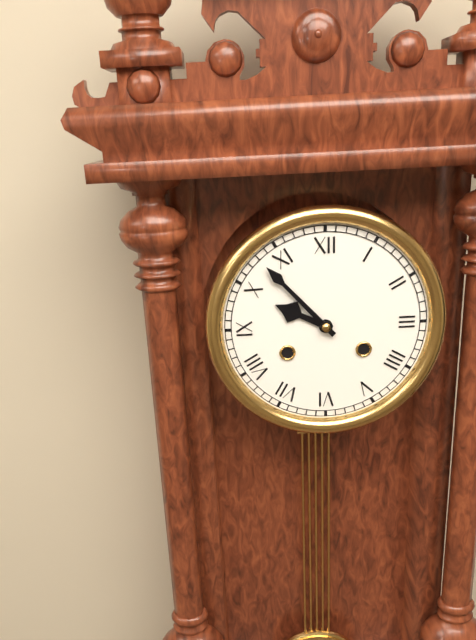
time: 9:53
